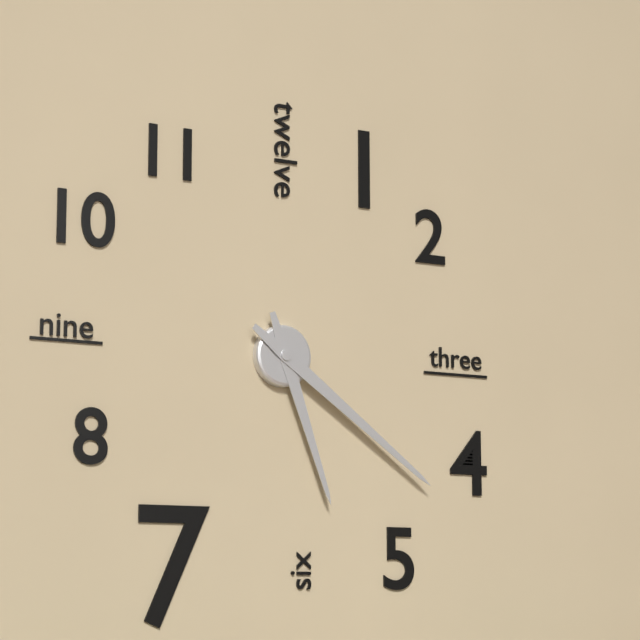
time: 5:21
